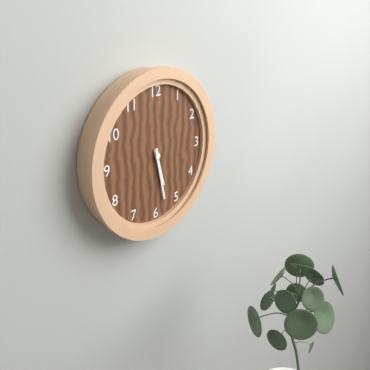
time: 5:28
